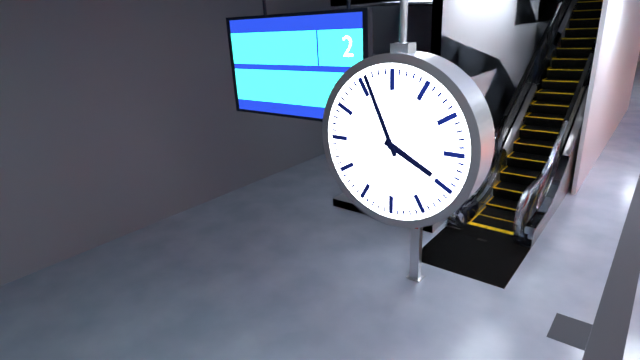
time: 3:56
